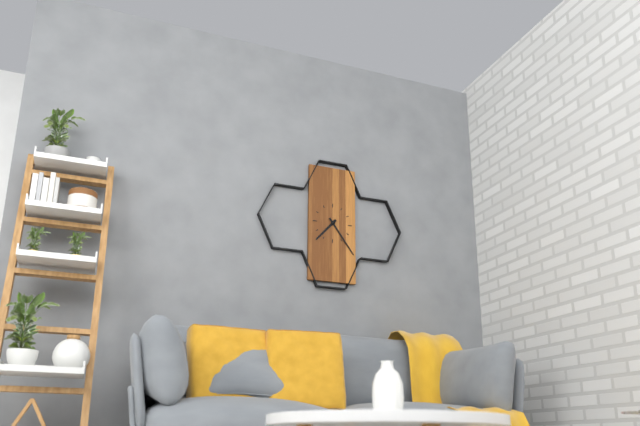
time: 7:24
